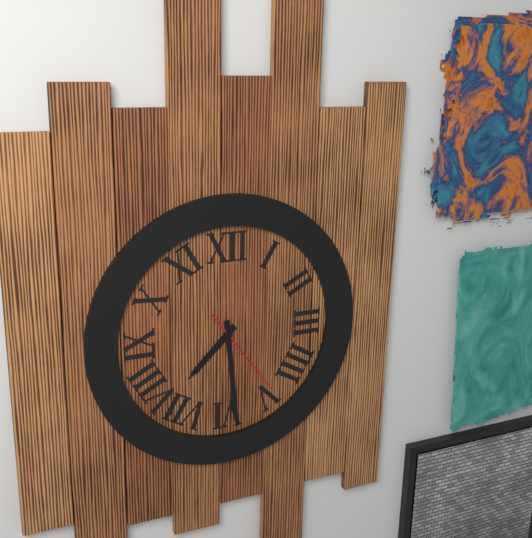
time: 7:29:24
